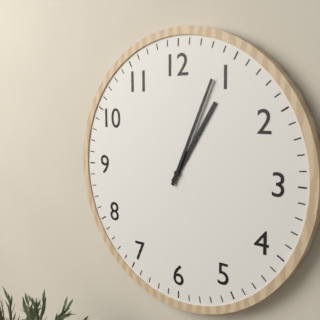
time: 1:04
